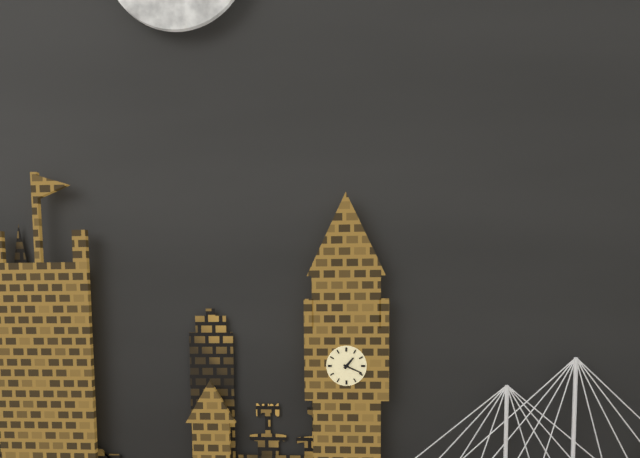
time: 1:19
